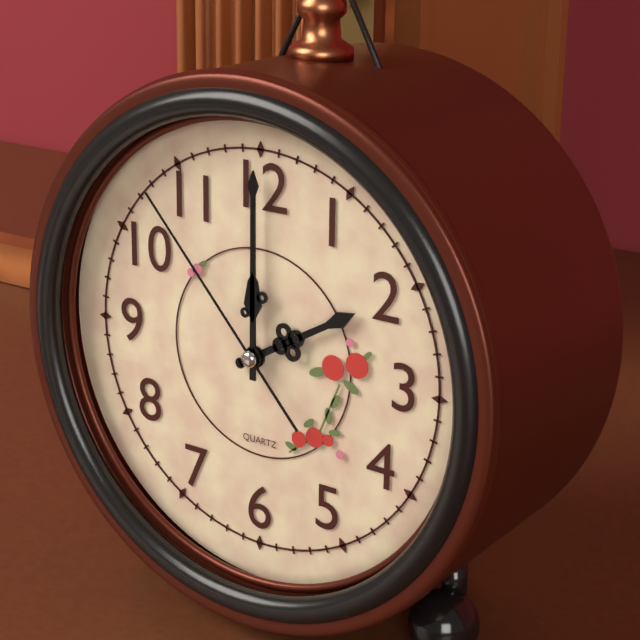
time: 2:00:53
